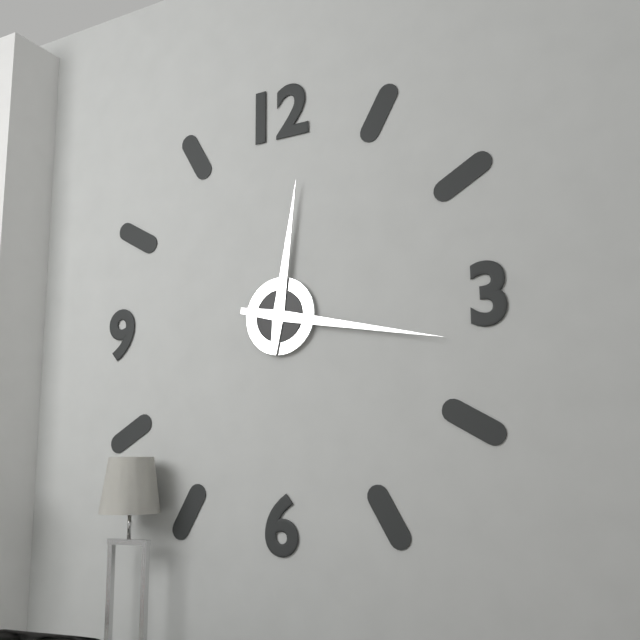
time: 12:17
